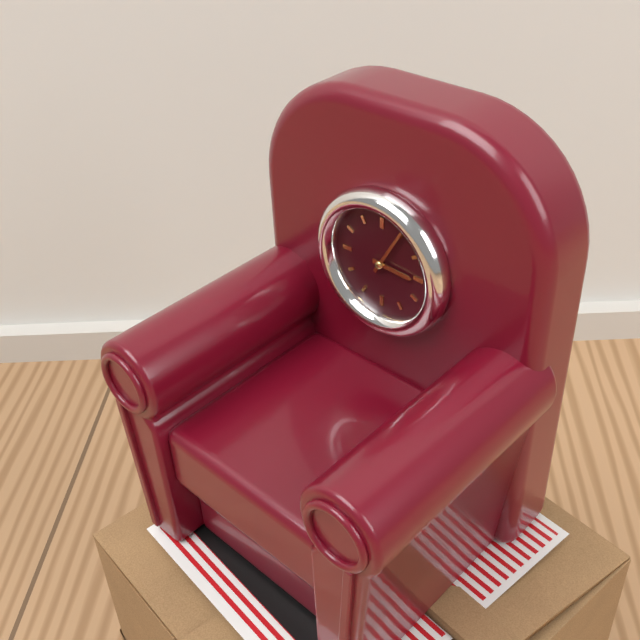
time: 3:05
